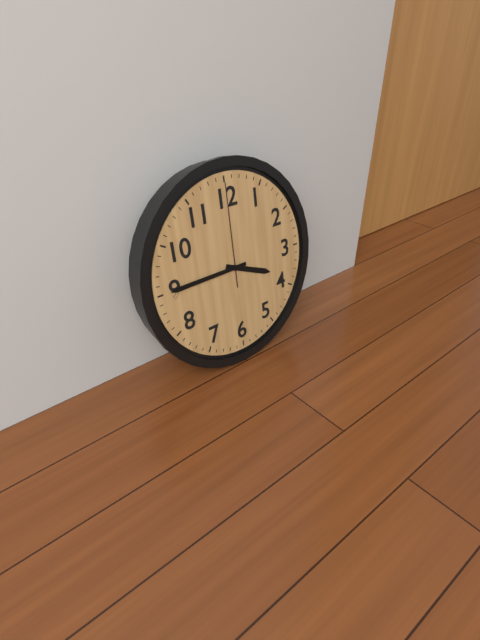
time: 3:45:00
